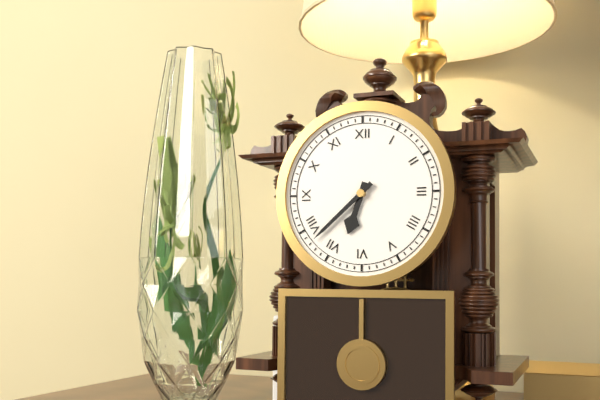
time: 6:38
